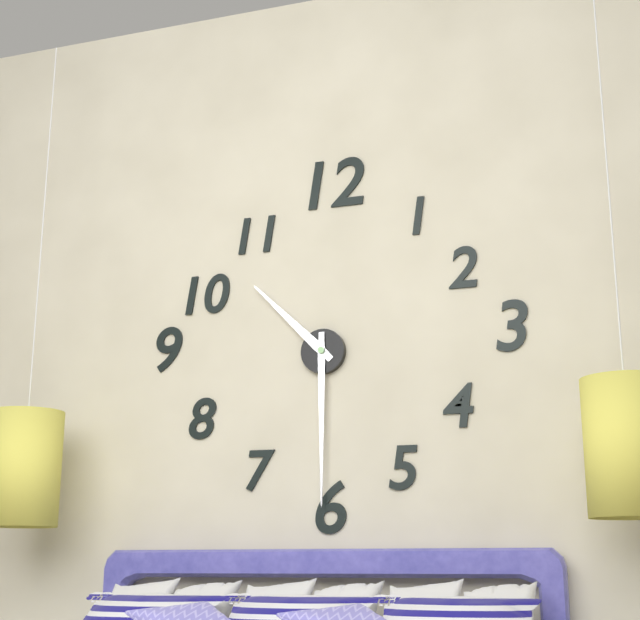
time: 10:30
